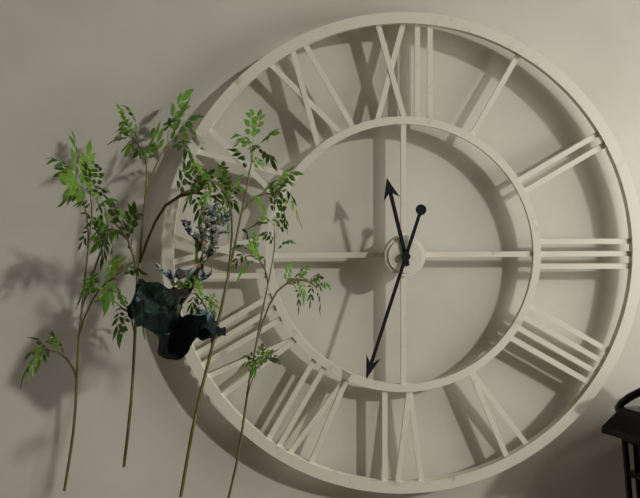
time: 11:33
